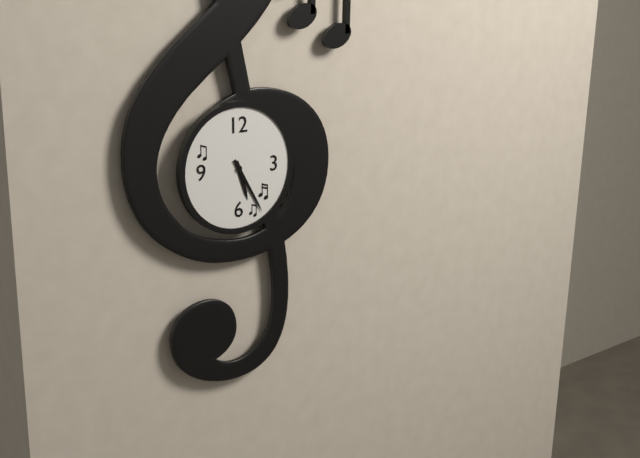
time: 5:25
